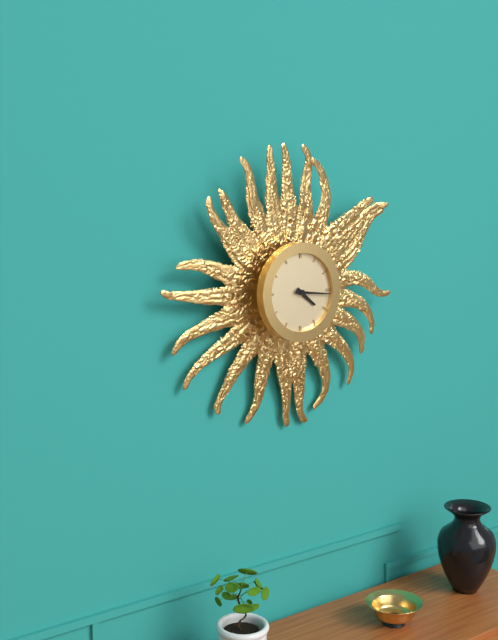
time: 4:16
